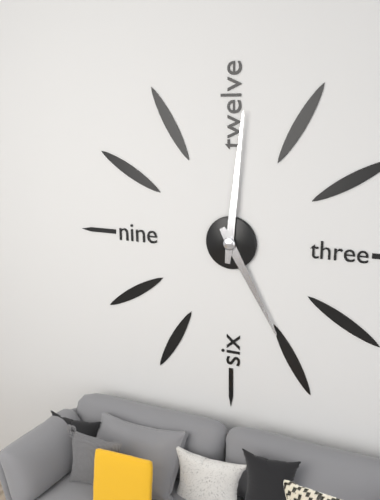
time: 5:01
